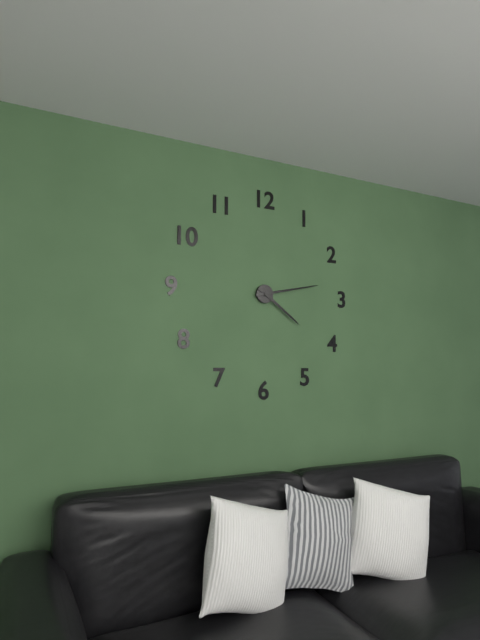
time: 4:13
